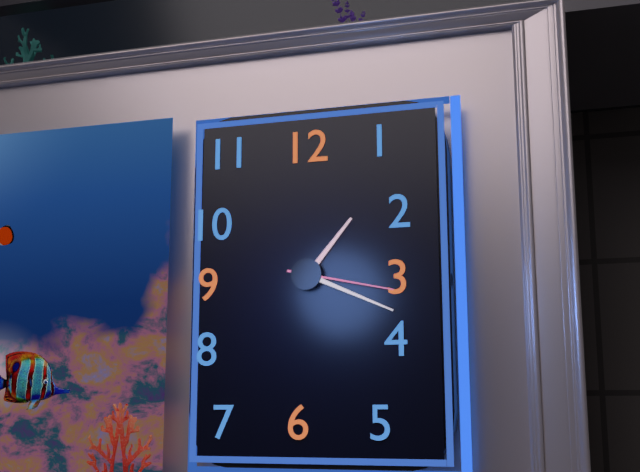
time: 1:19:17
